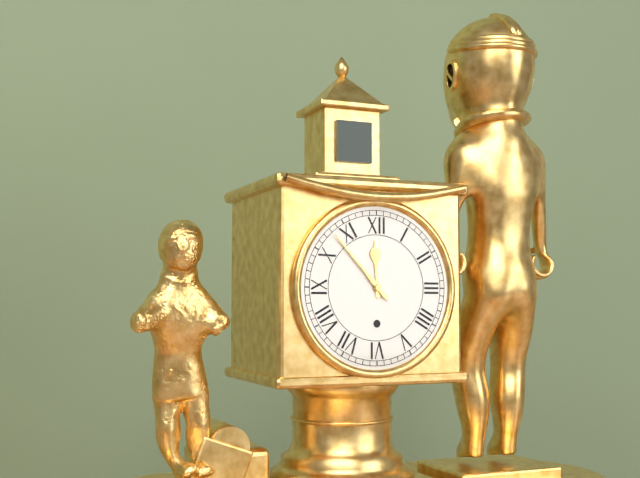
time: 11:53
